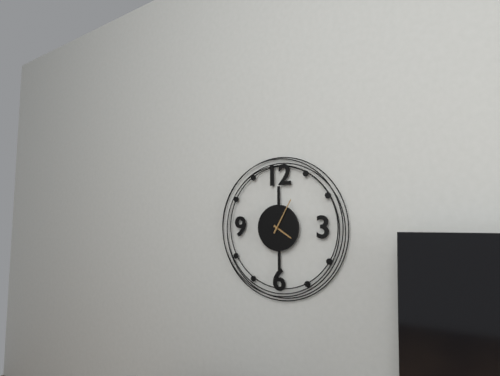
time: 4:05
